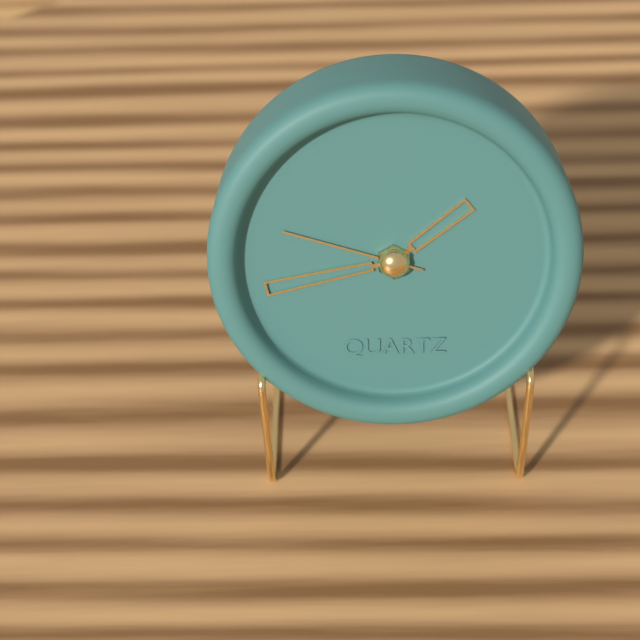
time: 1:43:48
